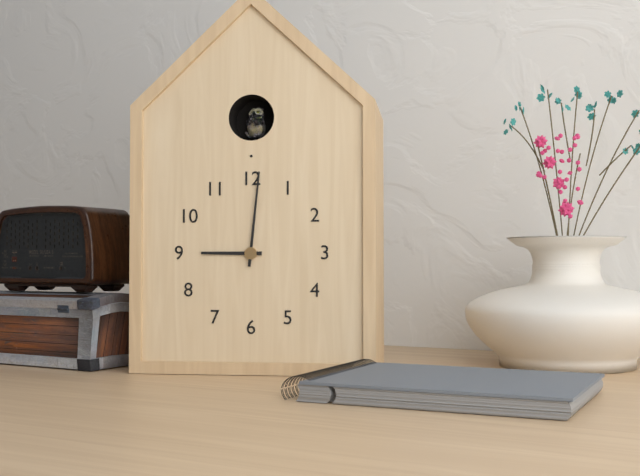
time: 9:01
